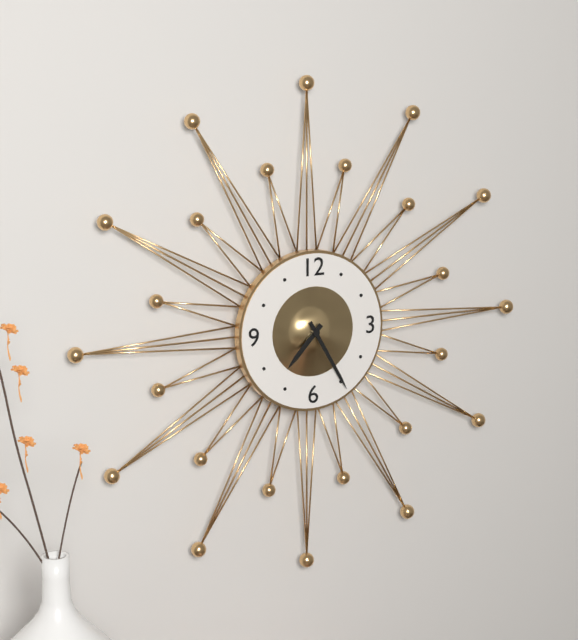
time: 7:25
